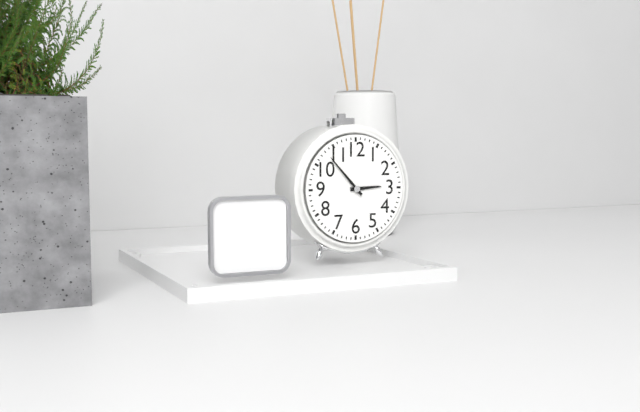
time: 2:53
